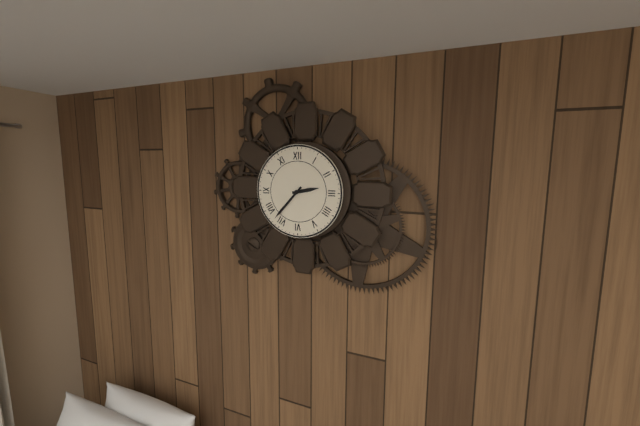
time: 2:37
